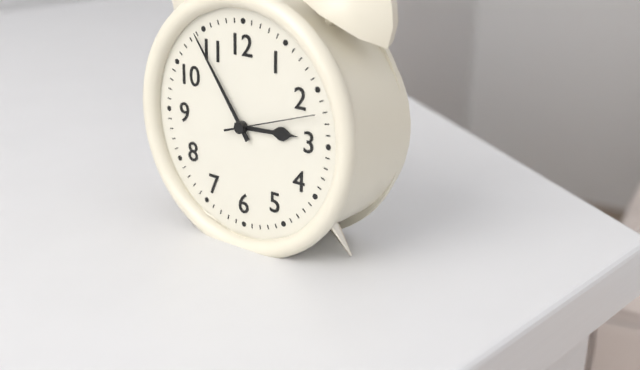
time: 2:54:12
